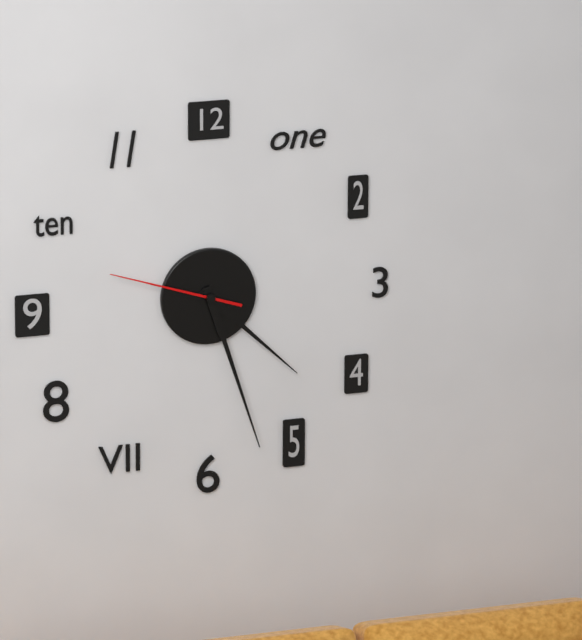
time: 4:27:48
